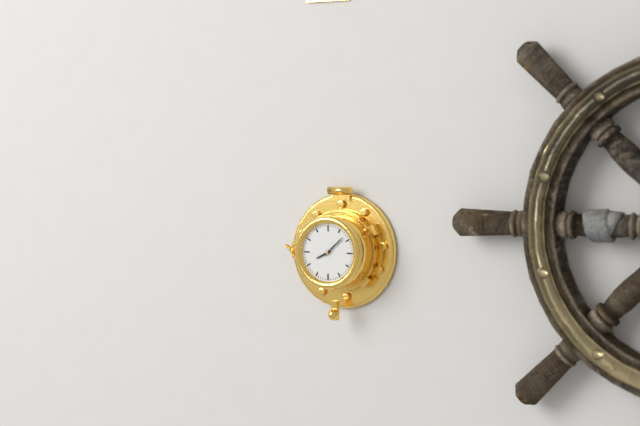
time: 8:08
